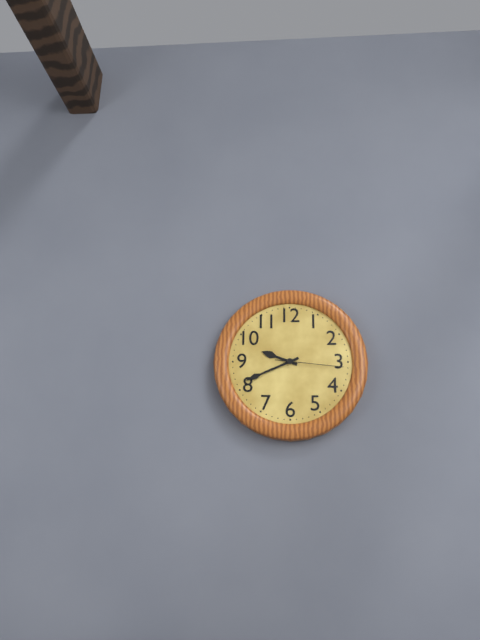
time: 9:41:16
